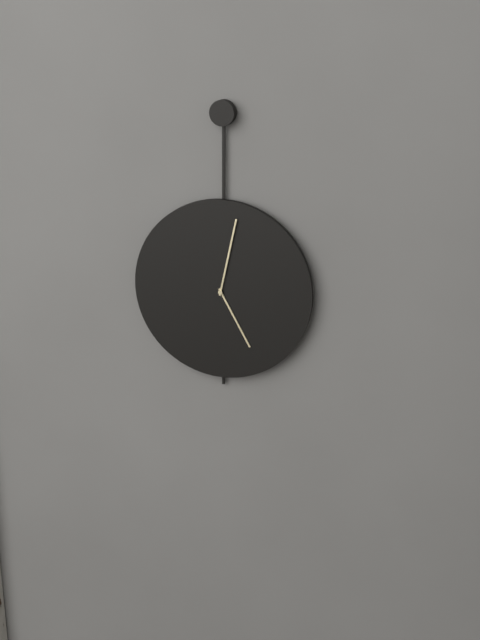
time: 5:02
